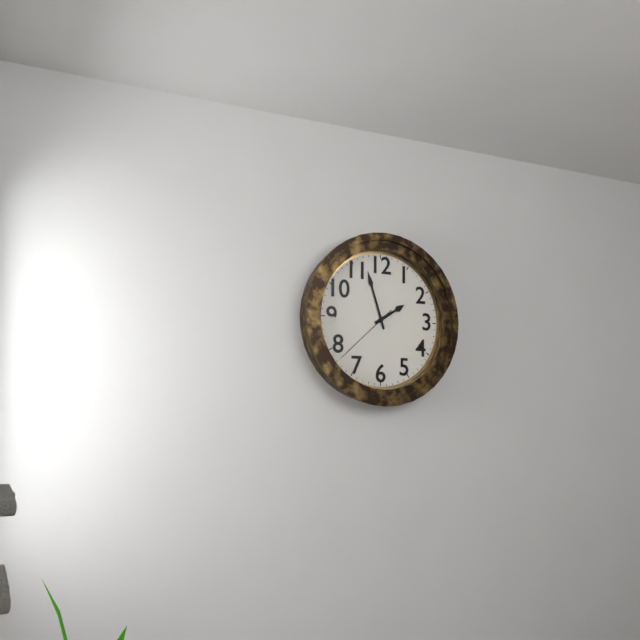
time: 1:57:38
